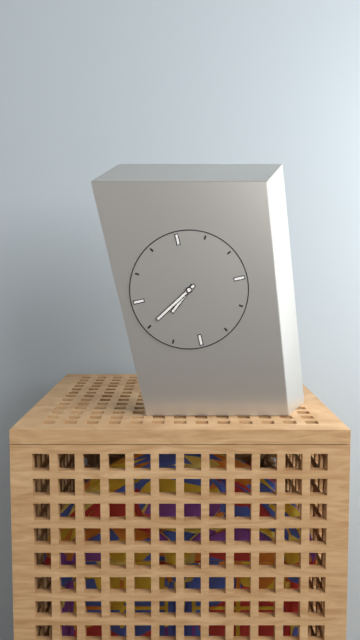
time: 7:40
